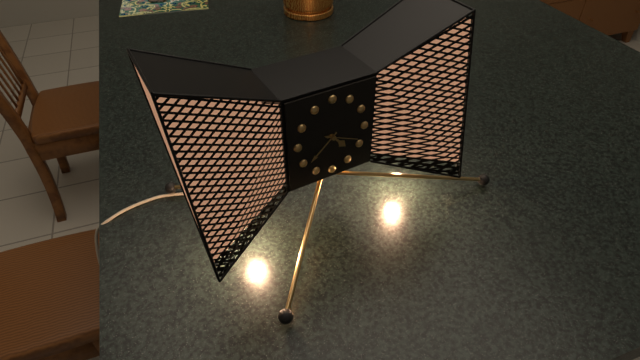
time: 4:38
